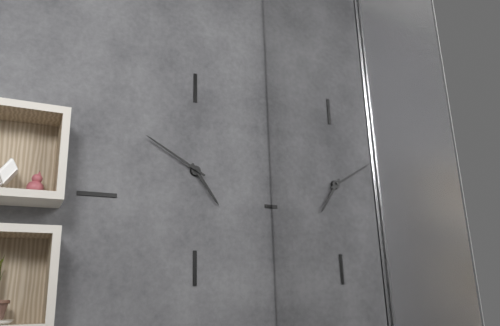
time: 4:50
